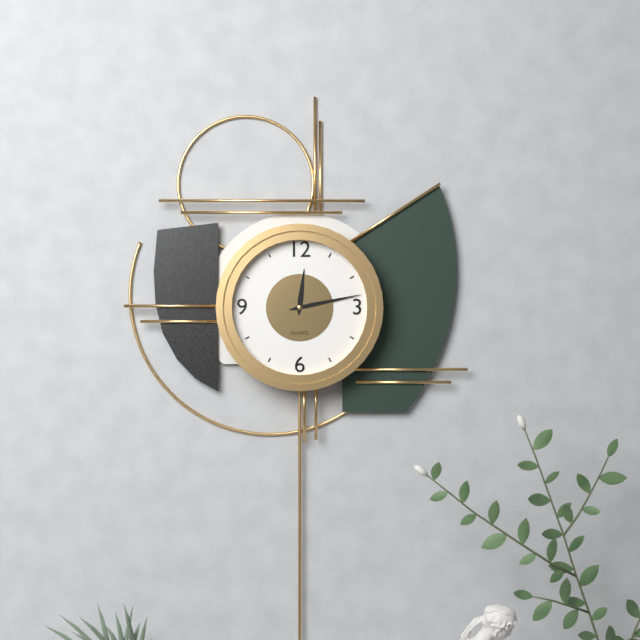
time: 12:13
